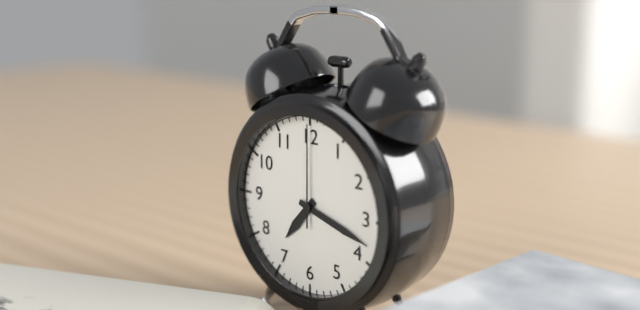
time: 7:18:00
